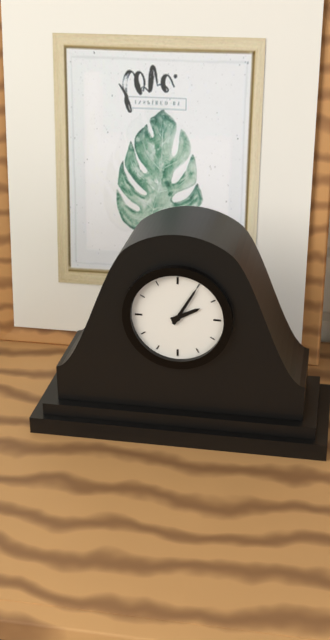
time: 2:05
